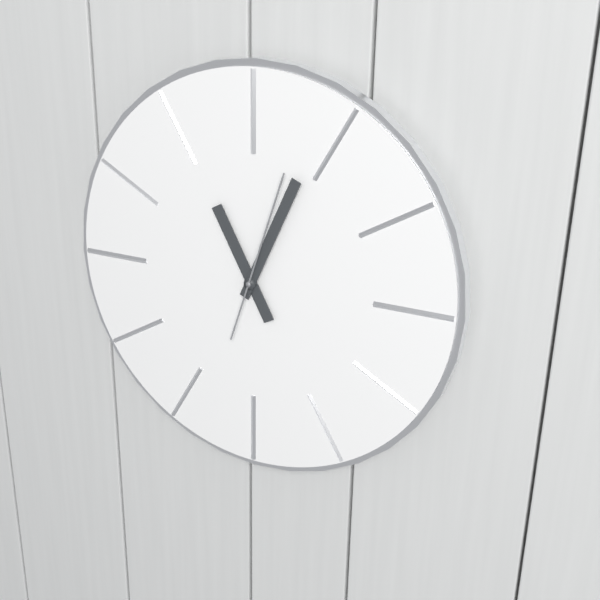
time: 11:04:03
